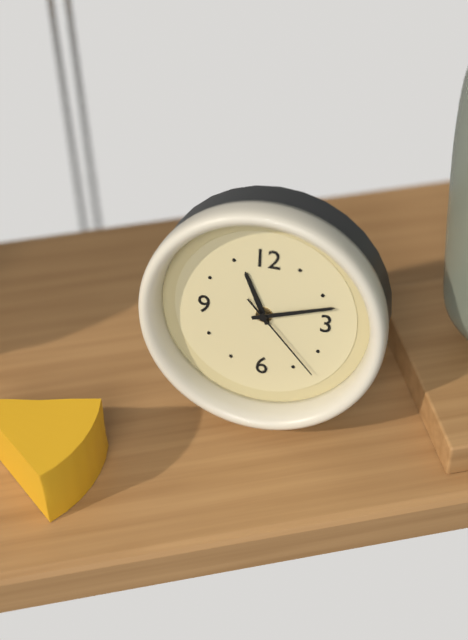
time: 11:12:23
